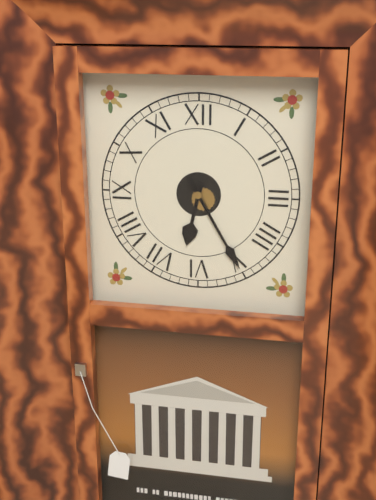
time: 6:25
